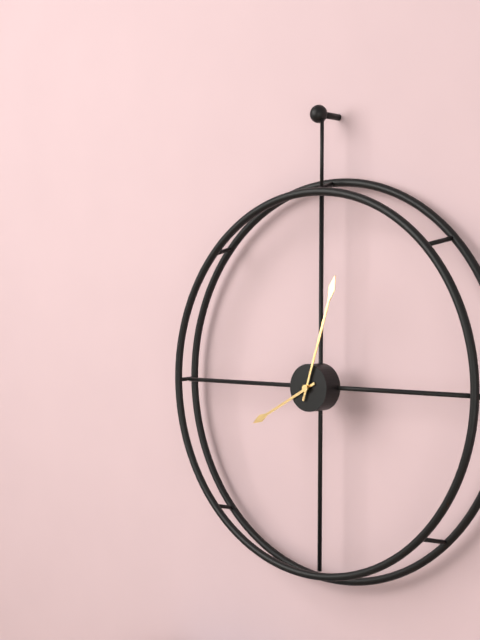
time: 8:03
